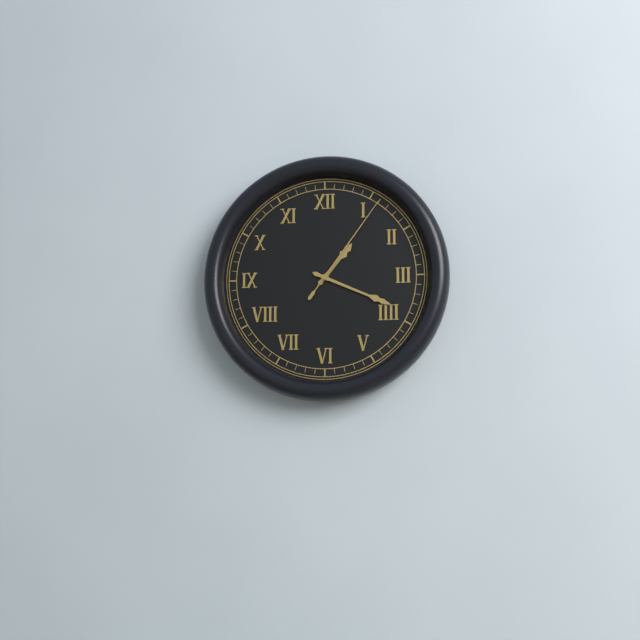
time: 1:19:06
